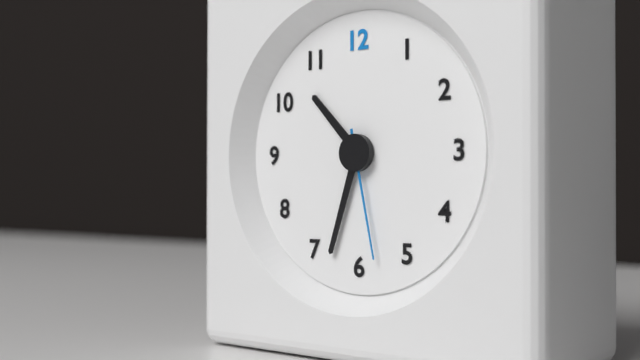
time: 10:33:28
